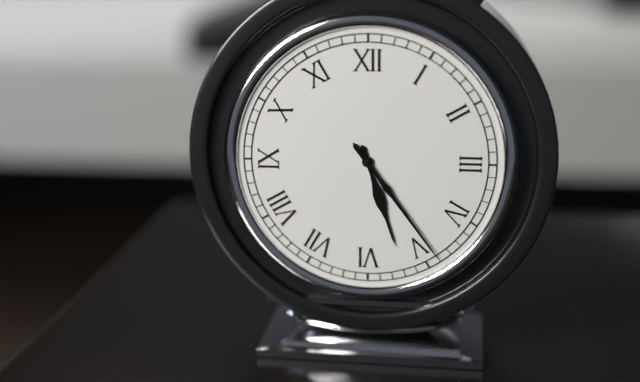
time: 5:24
